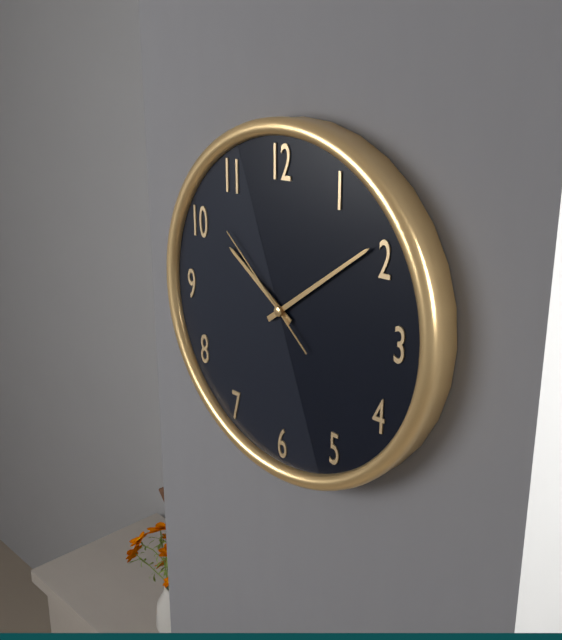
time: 10:09:52
